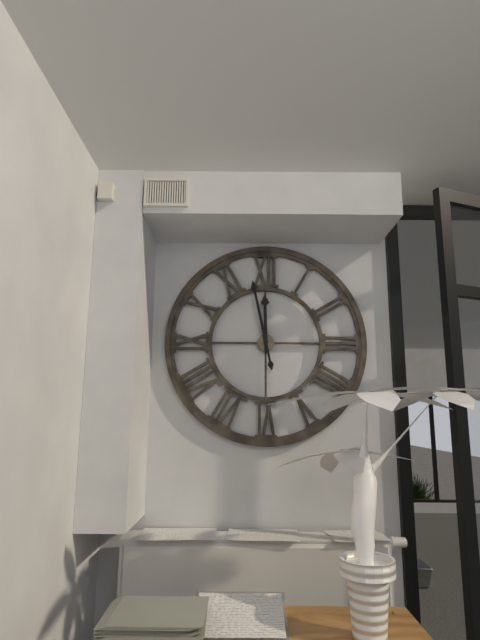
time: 11:58
